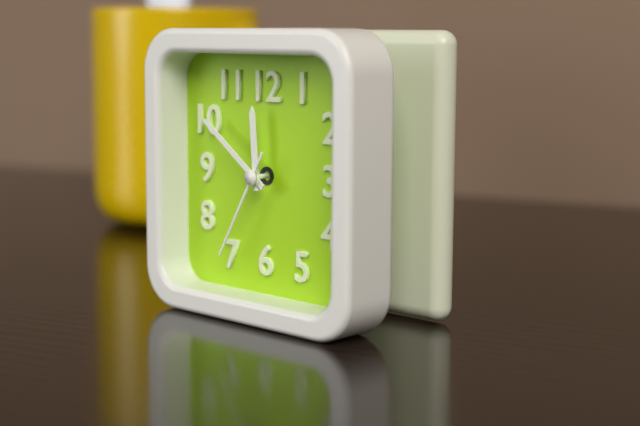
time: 11:51:35
